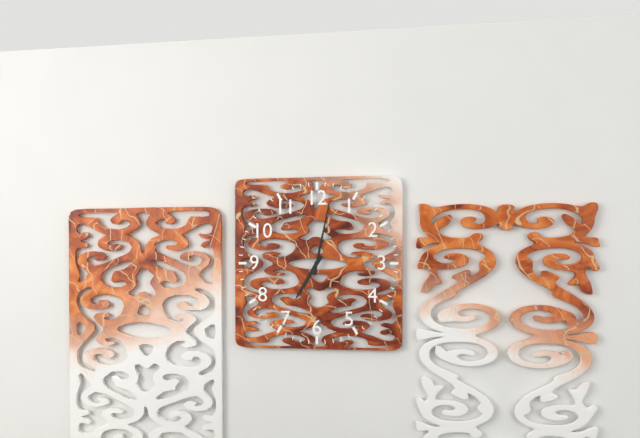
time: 7:02
